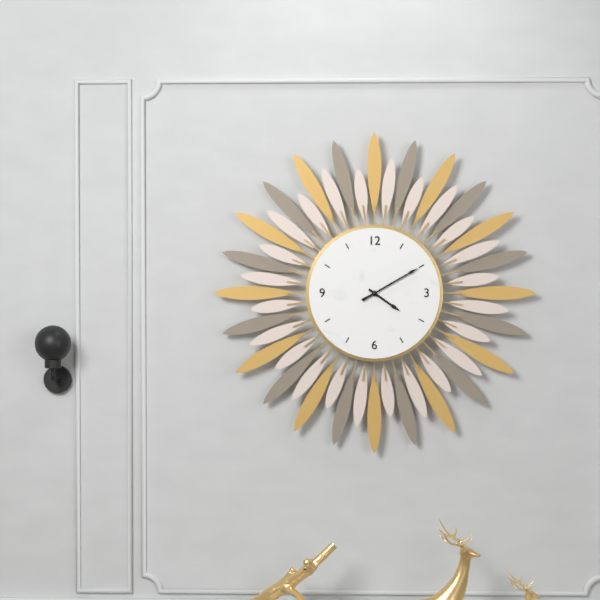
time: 4:10
